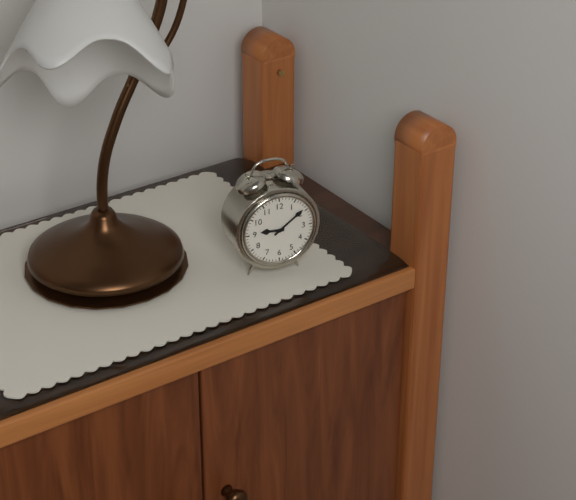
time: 9:09
